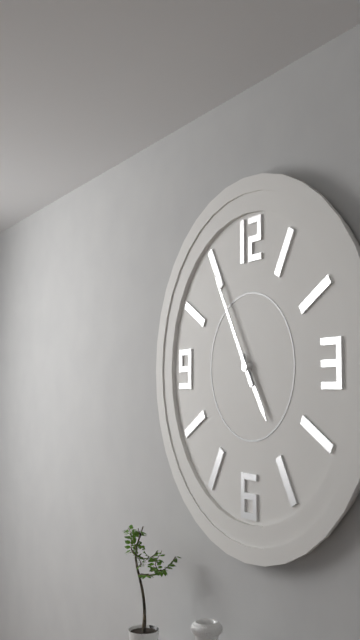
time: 4:55
